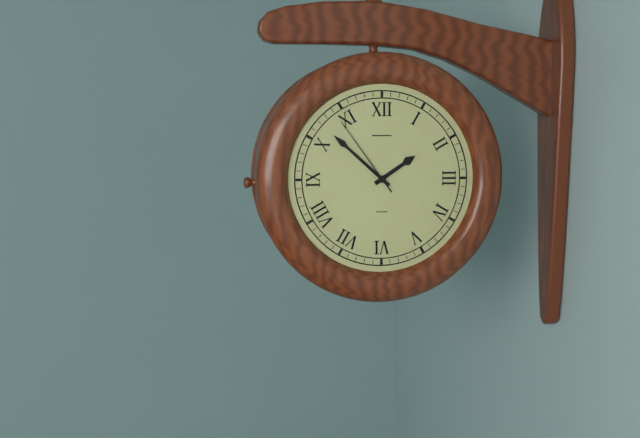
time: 1:52:54
